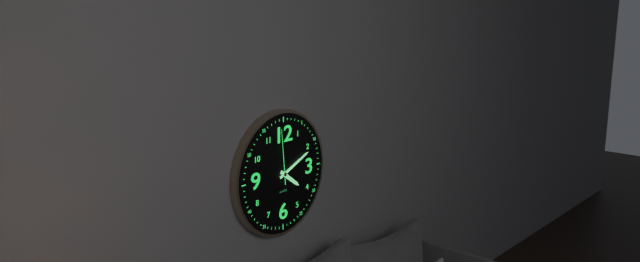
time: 4:11:59
